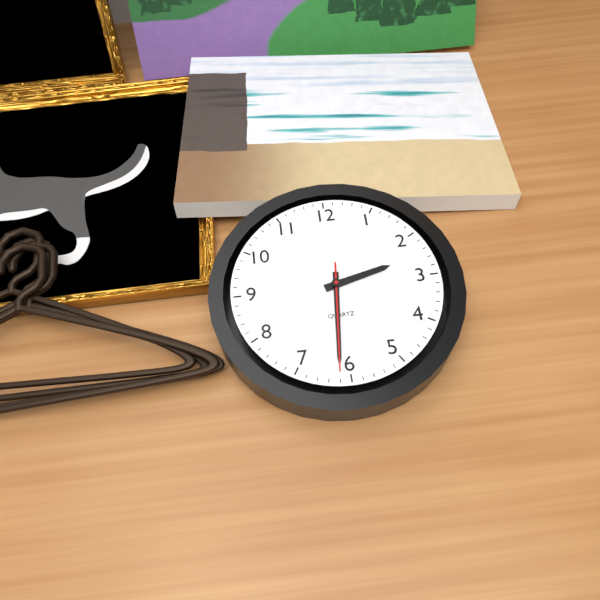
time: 2:31:31
